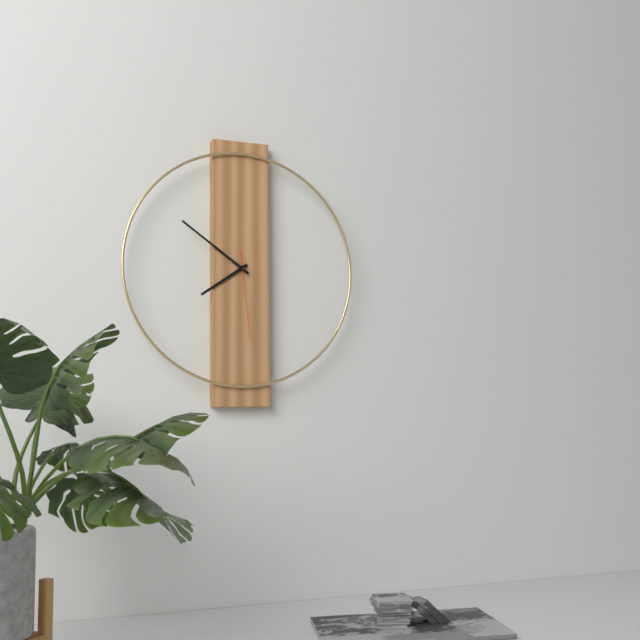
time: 7:51:29
